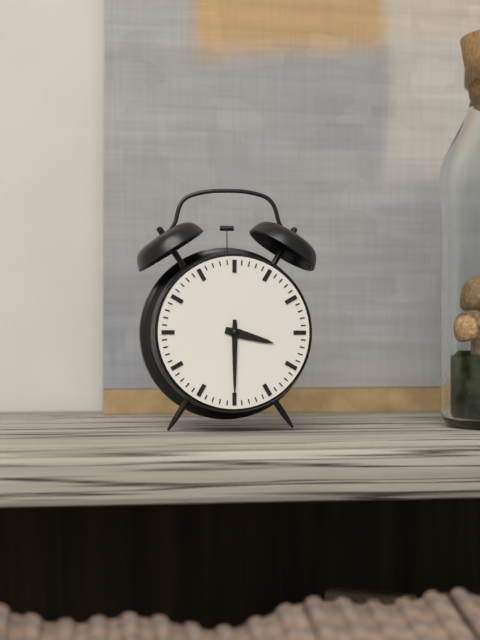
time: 3:30
